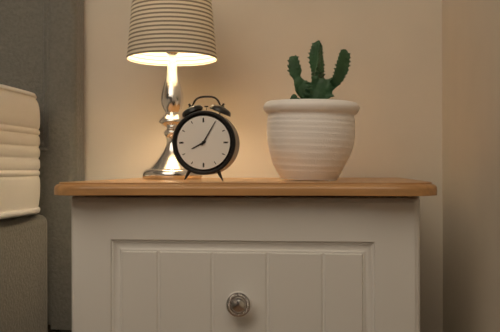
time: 8:05
